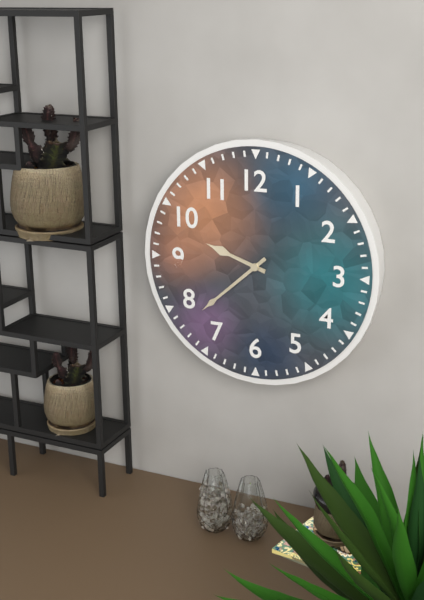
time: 9:38
